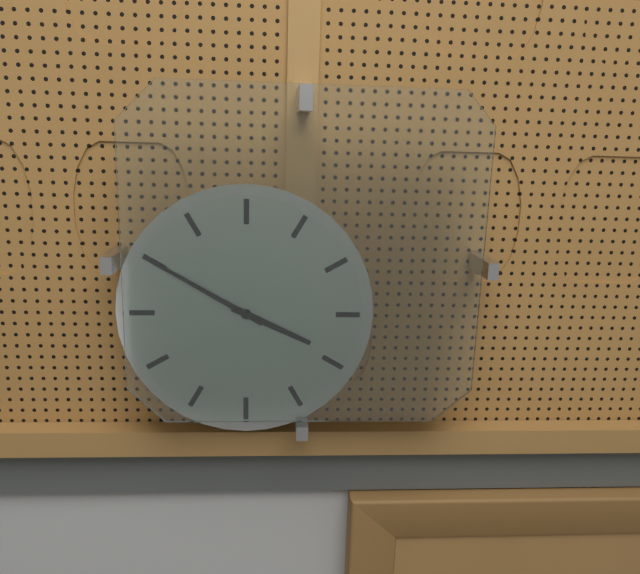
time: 3:50
